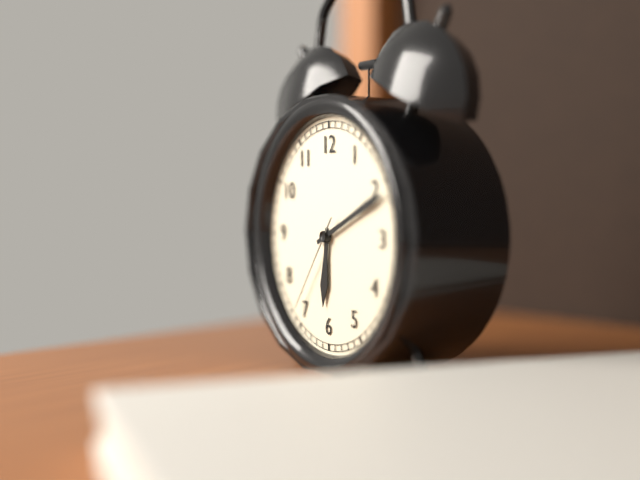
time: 6:11:36
